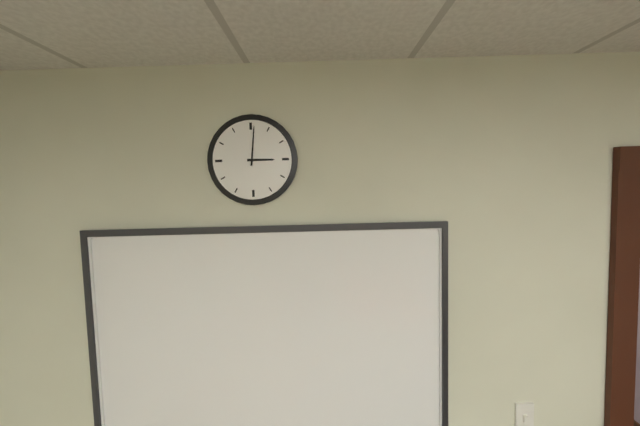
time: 3:01
